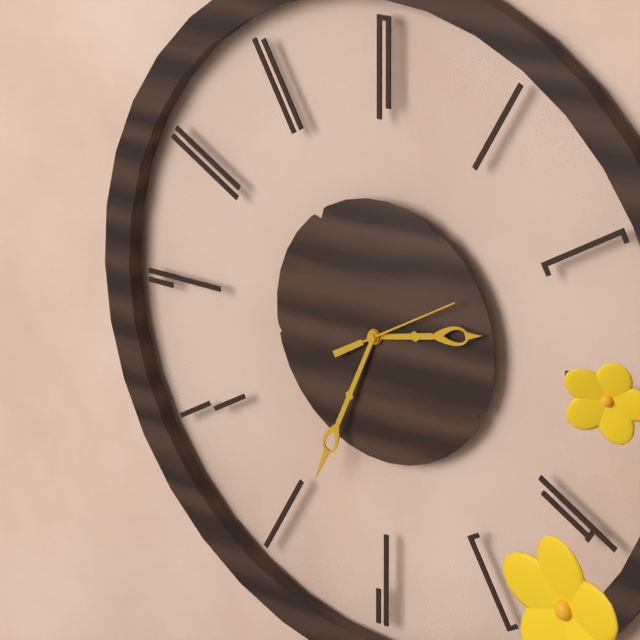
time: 2:34:10
